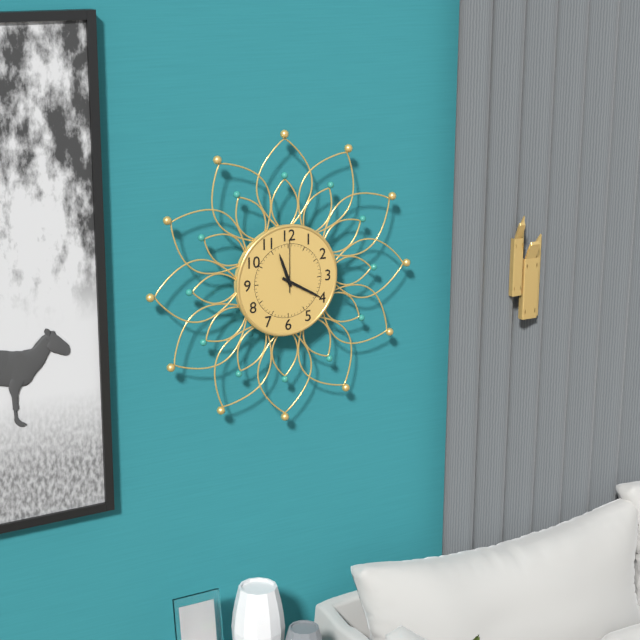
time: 11:20:00
